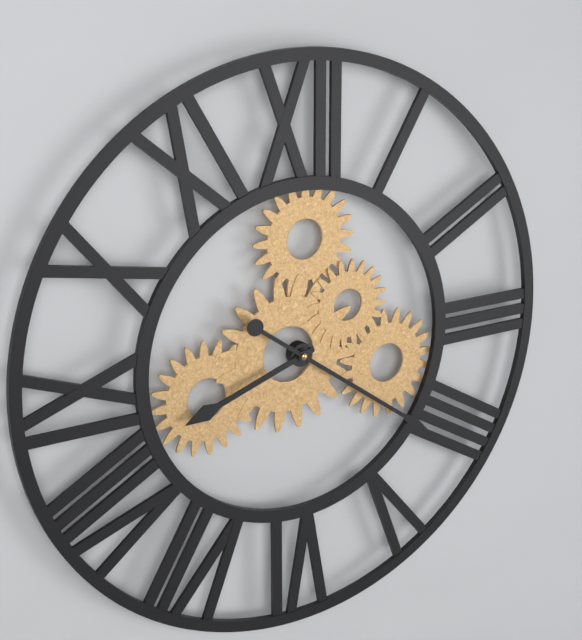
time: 8:21
